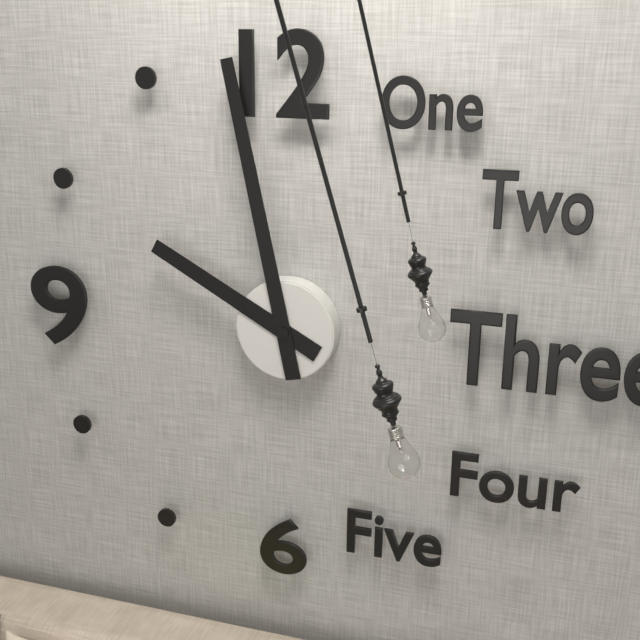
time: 9:58
